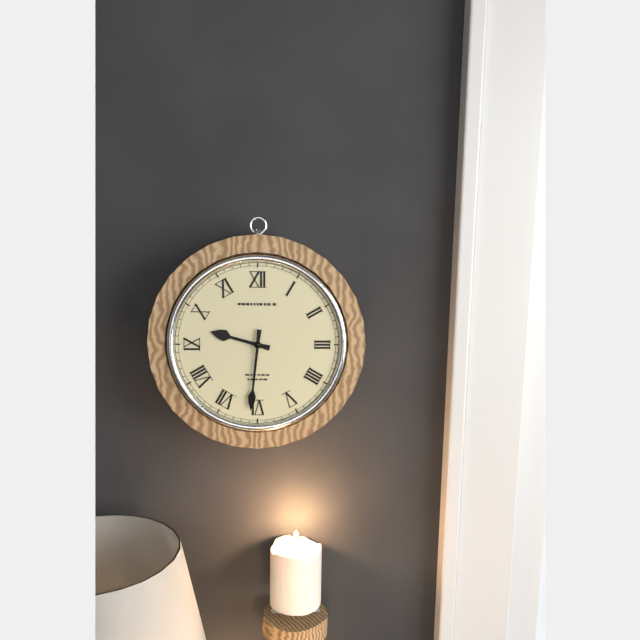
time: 9:31
